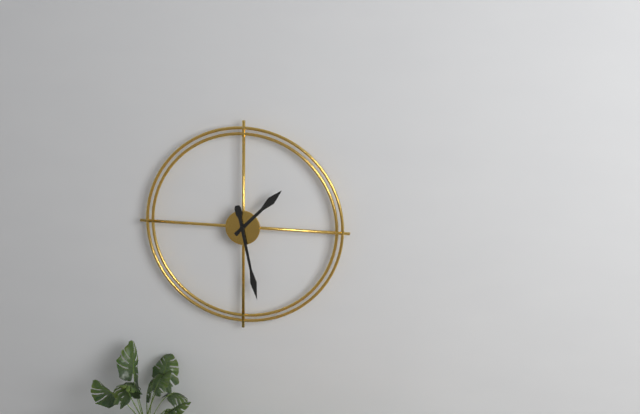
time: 1:28
